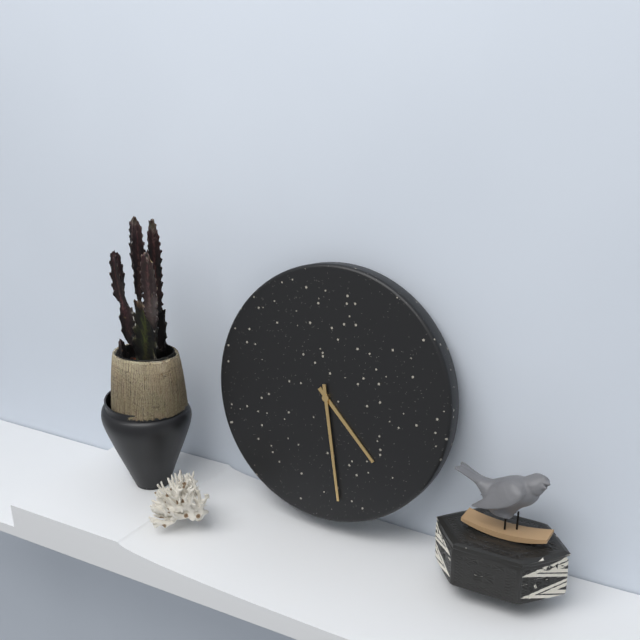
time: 4:28
